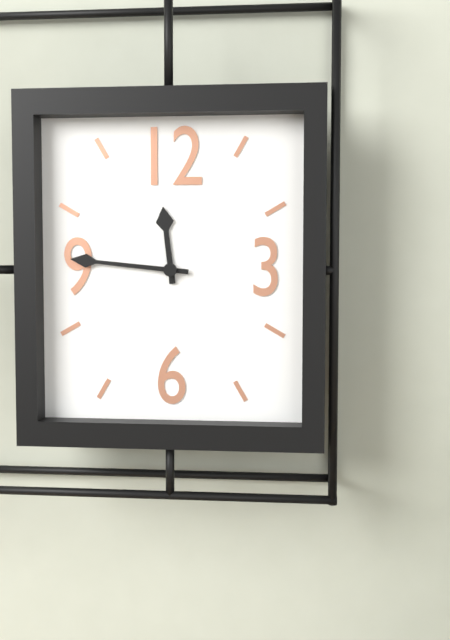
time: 11:46
